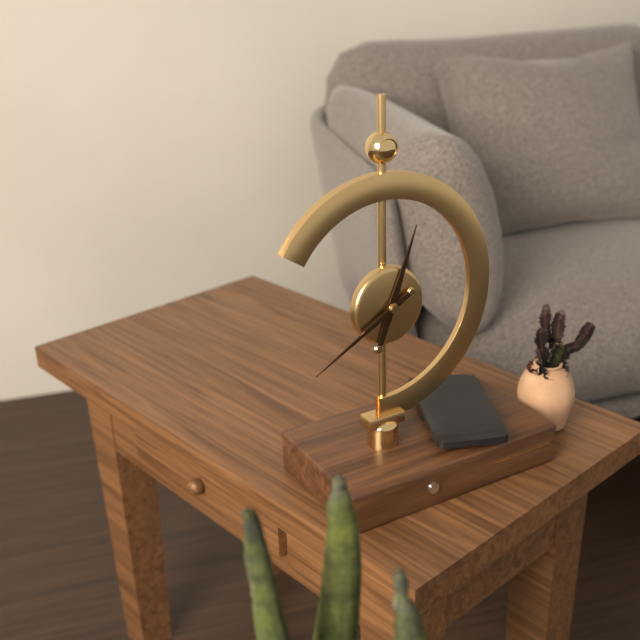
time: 12:40
